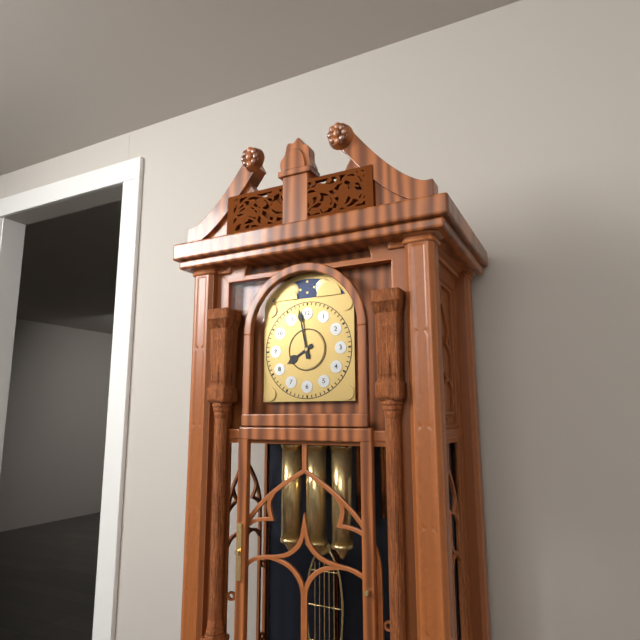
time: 7:58
